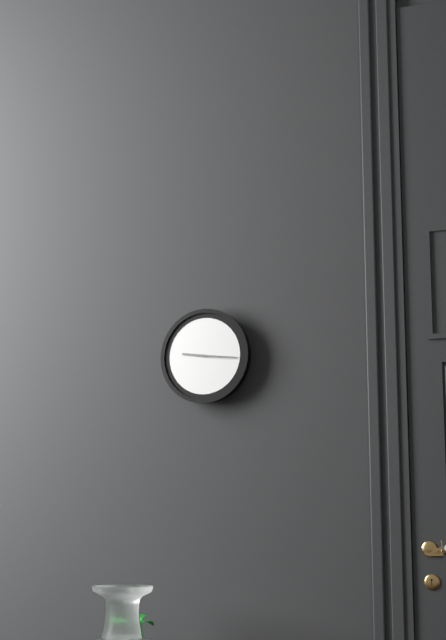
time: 9:16
